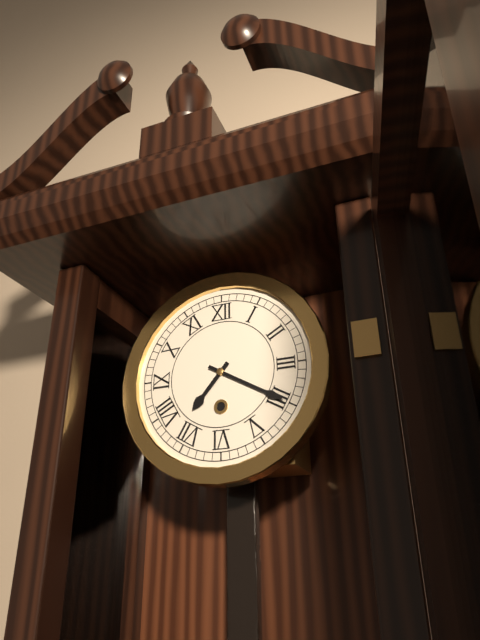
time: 7:20
